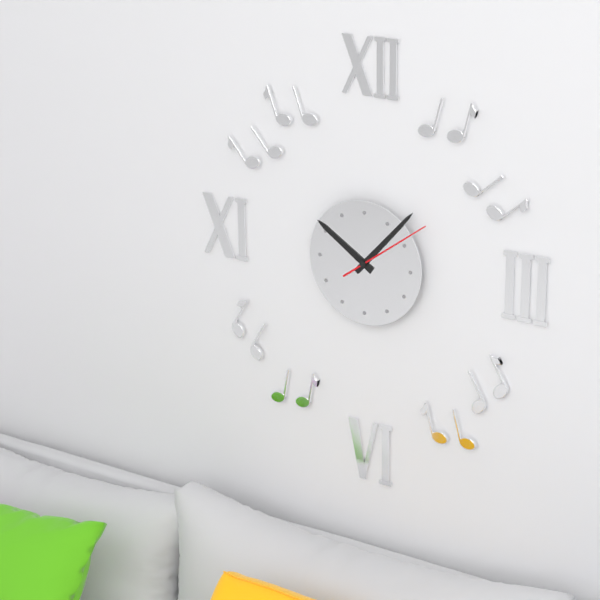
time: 10:07:09
